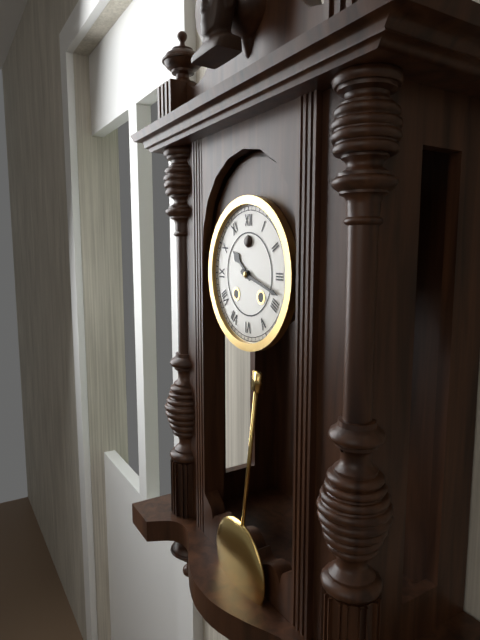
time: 10:18
